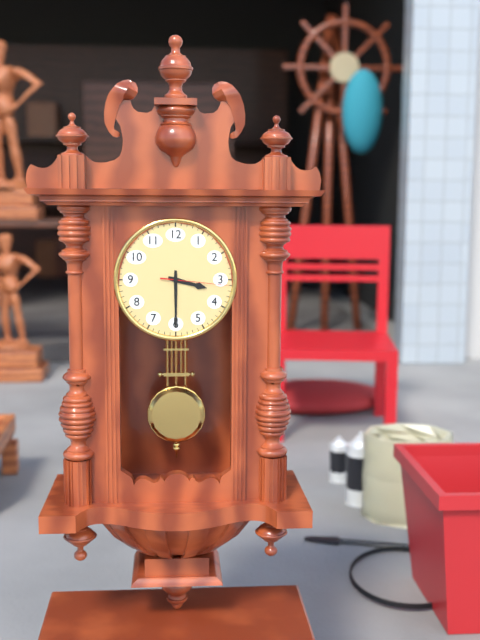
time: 3:30:16
